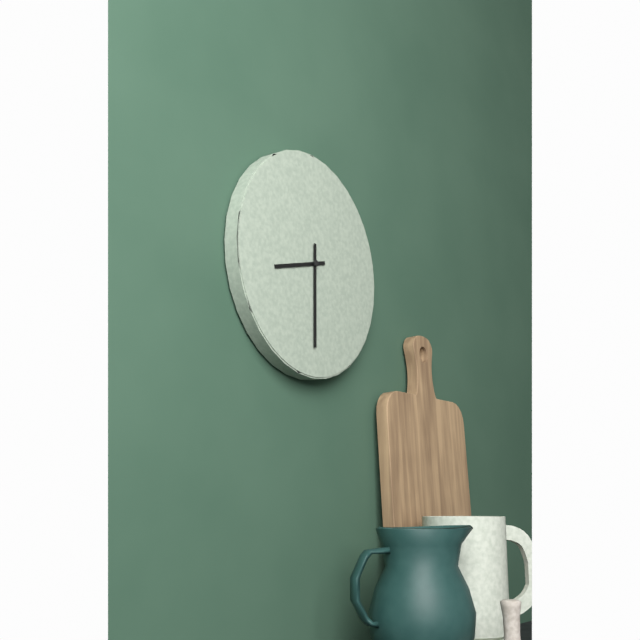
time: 8:30
